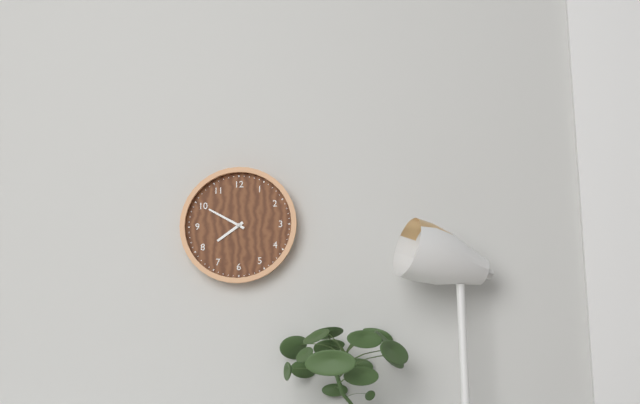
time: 7:50
